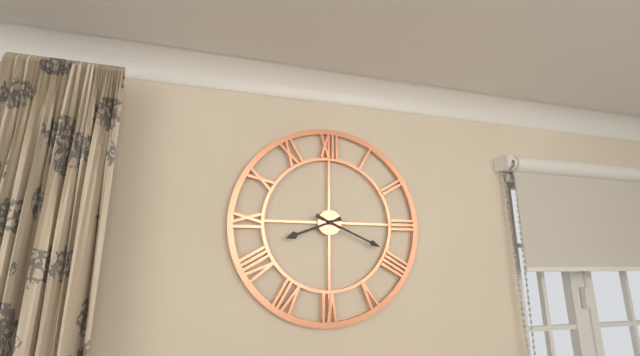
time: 8:19
